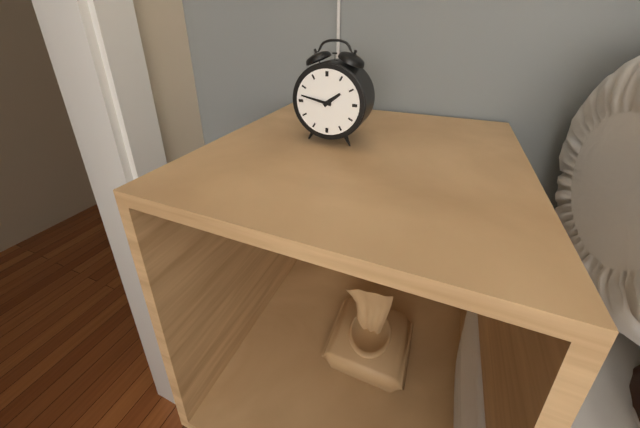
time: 1:47
